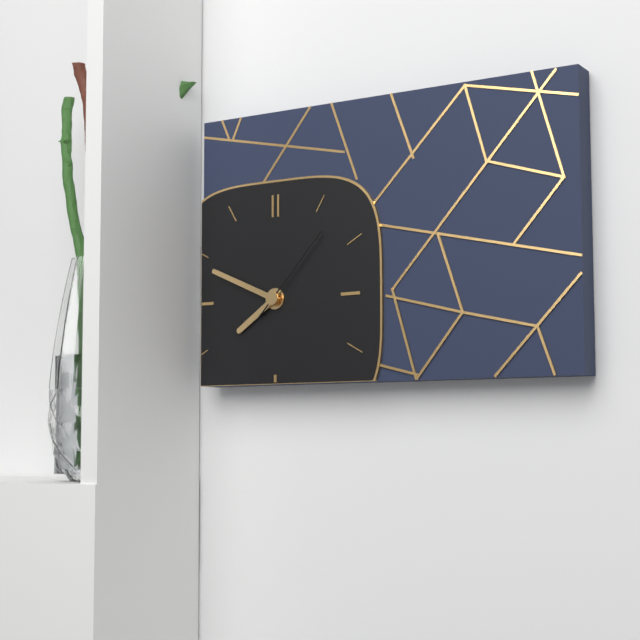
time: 7:49:07
